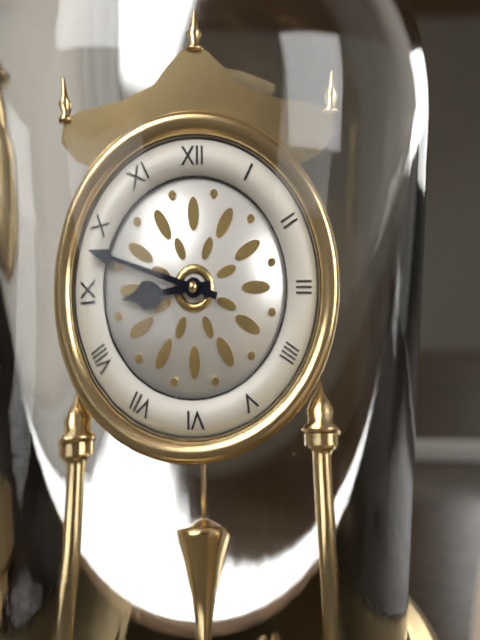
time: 8:48
